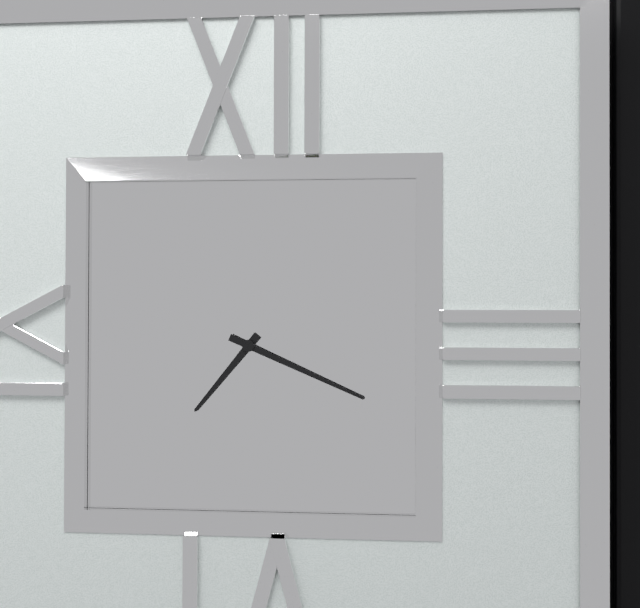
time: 7:19
